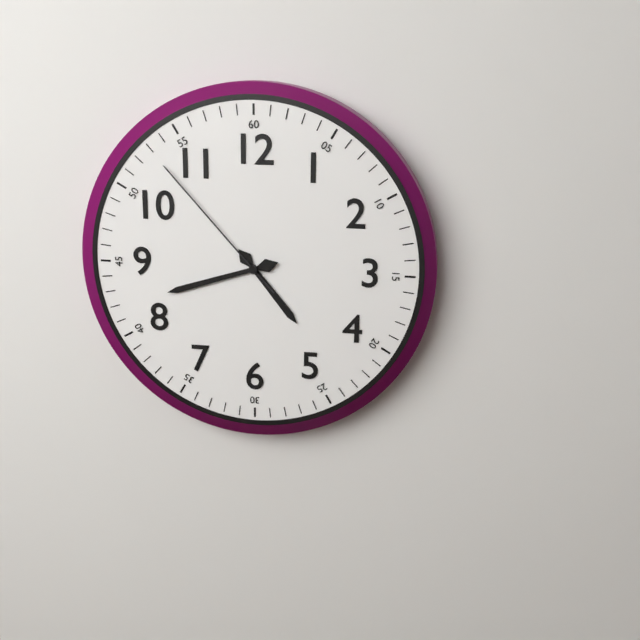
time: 4:42:53
